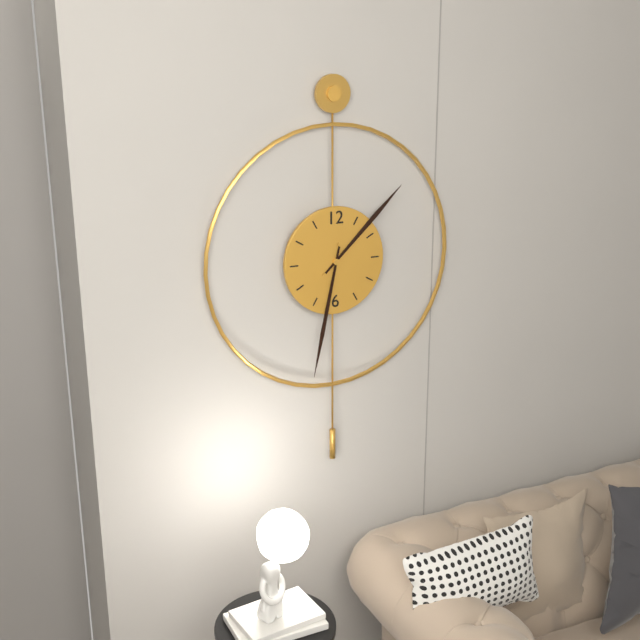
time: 1:32
